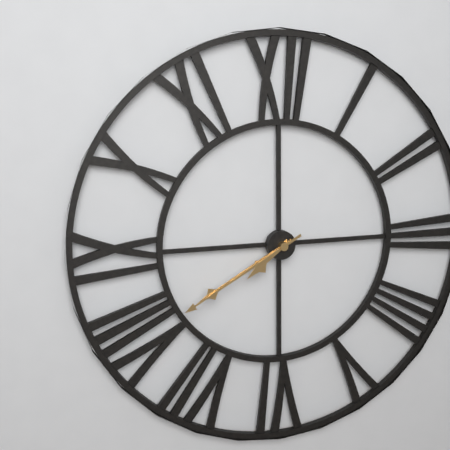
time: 7:40:40
